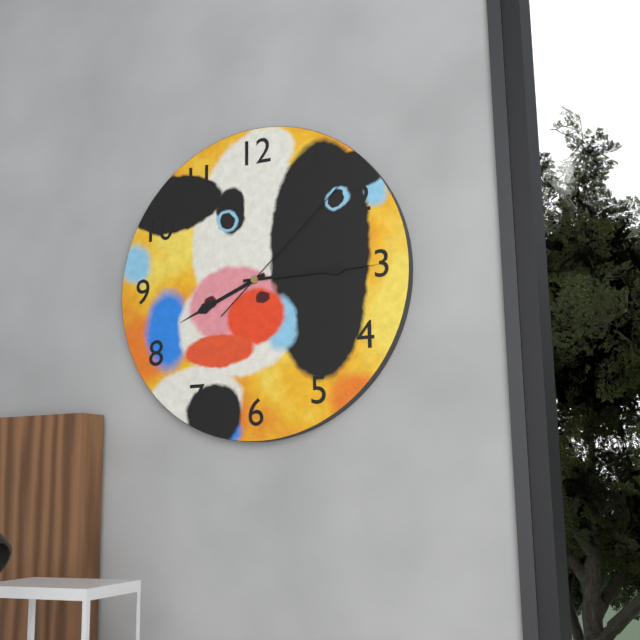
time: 8:15:08
